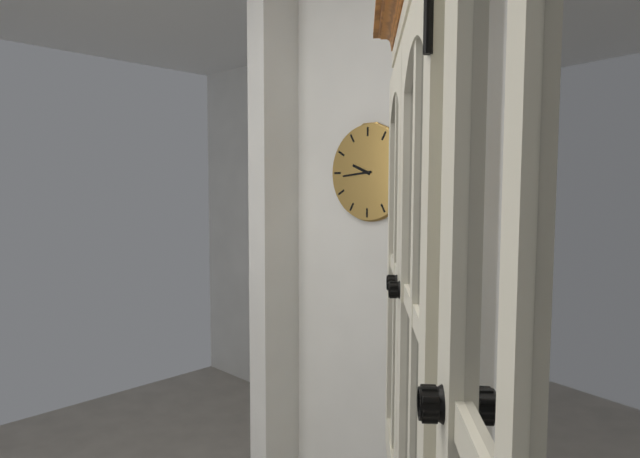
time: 9:44
